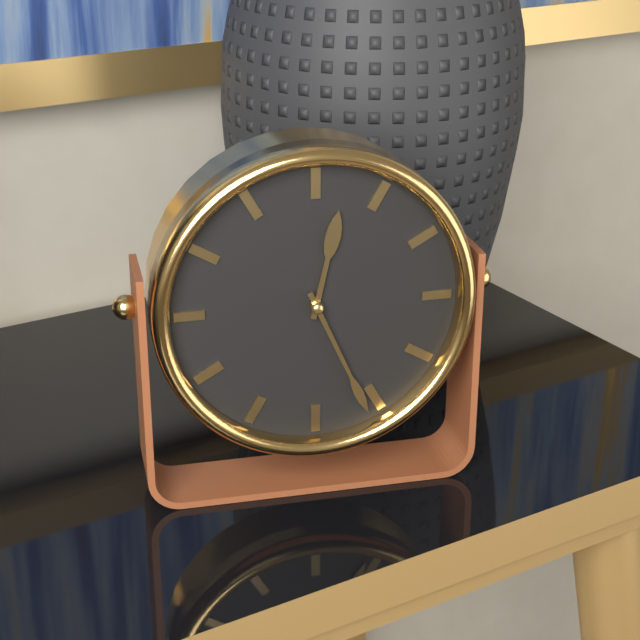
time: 12:26
